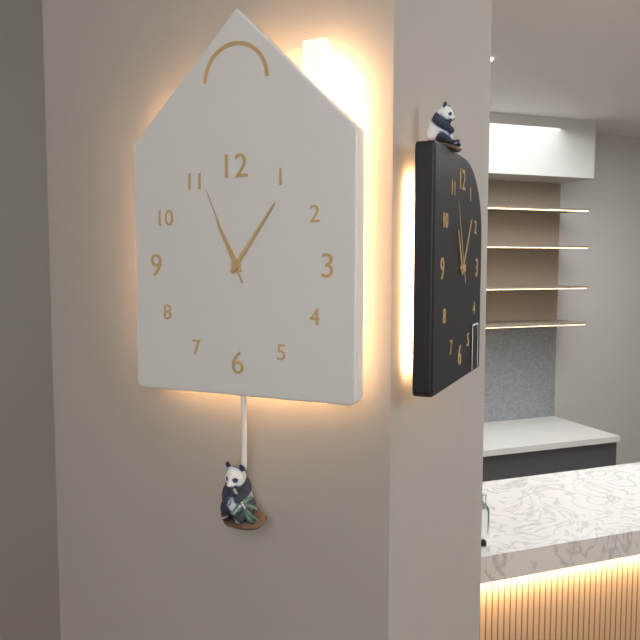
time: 11:06:56
